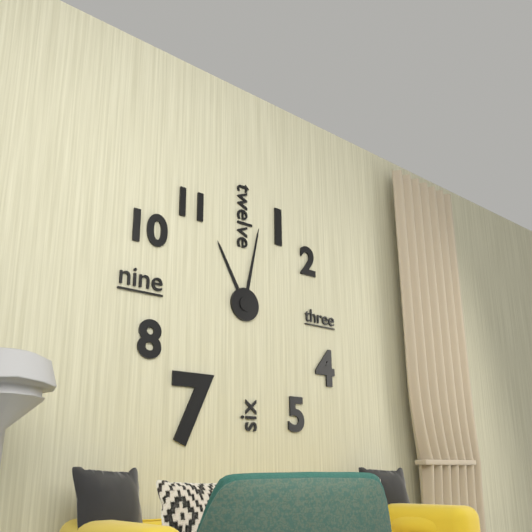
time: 11:02
